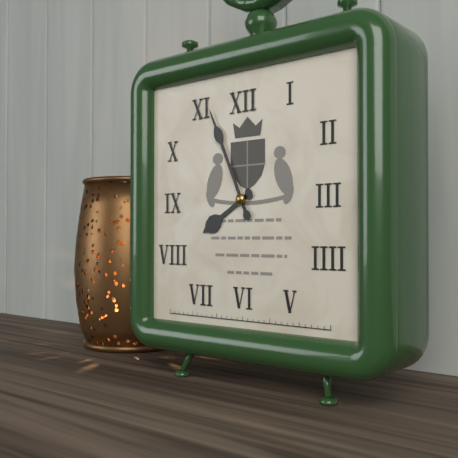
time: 7:56
